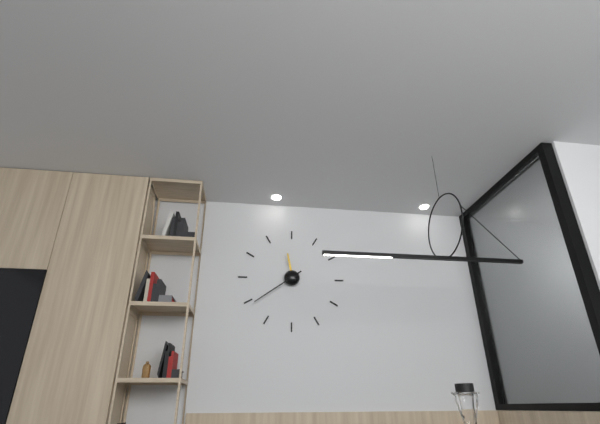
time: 11:39
